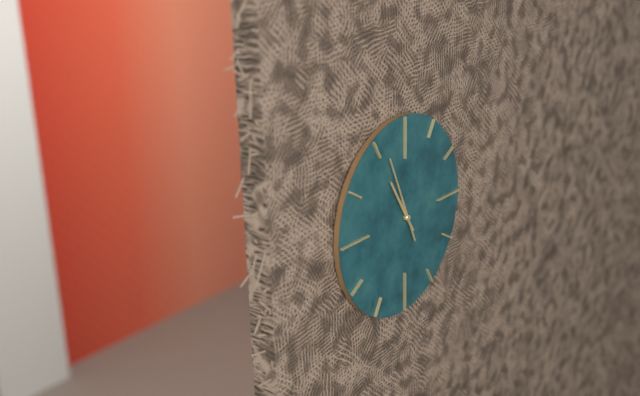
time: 10:56
